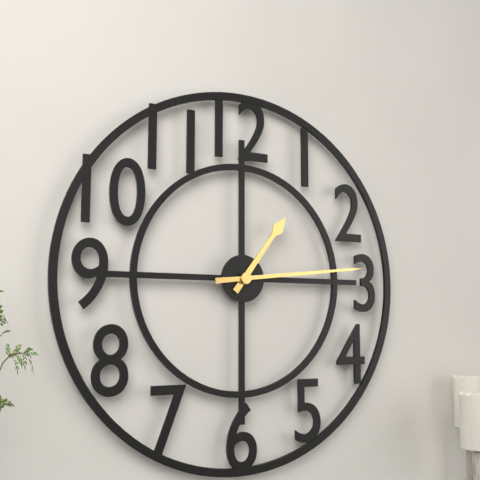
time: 1:14
